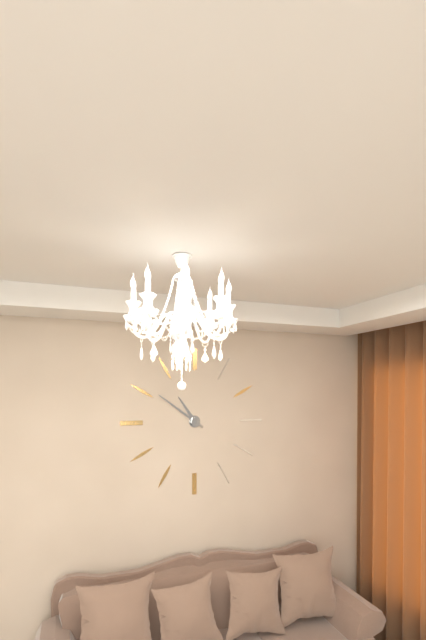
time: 10:51
